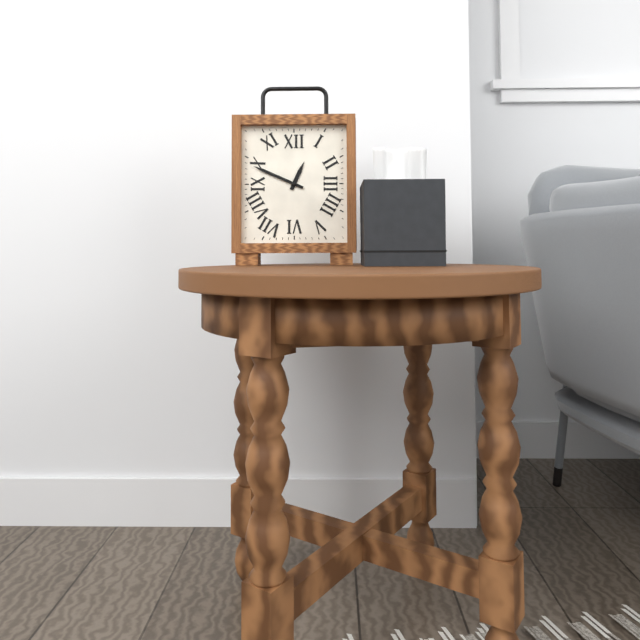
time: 12:49
